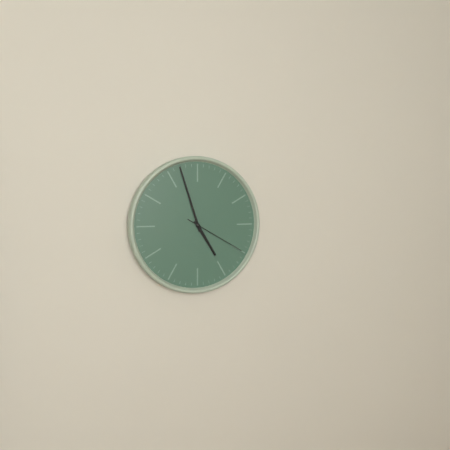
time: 4:57:20
